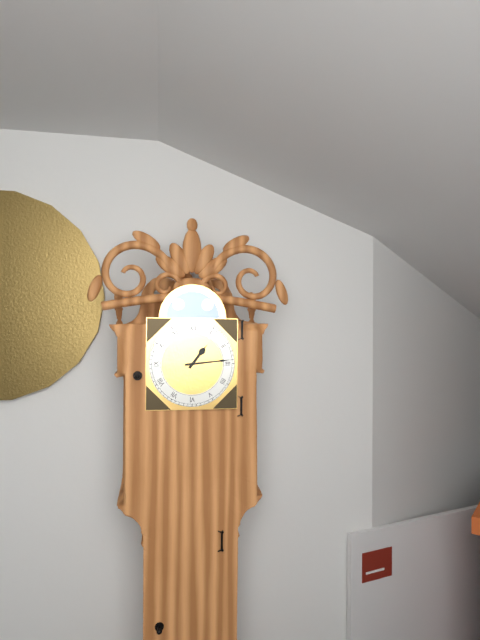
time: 1:14
